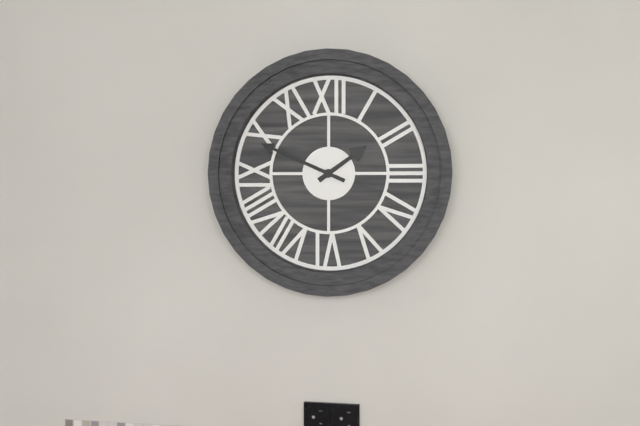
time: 1:49
